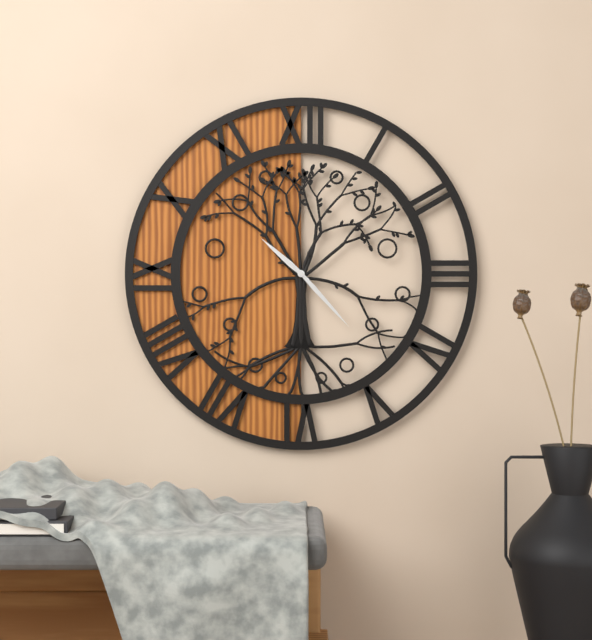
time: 10:23
